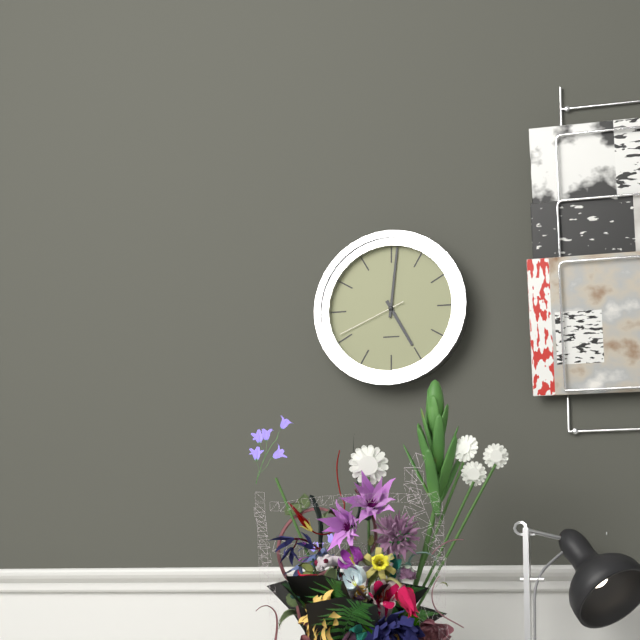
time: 5:01:41
